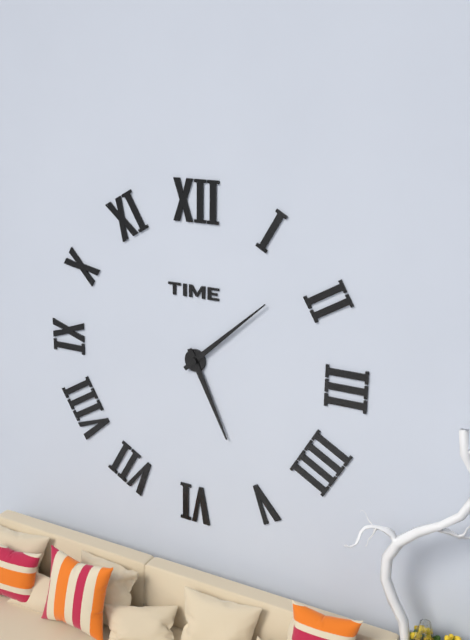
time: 5:08
